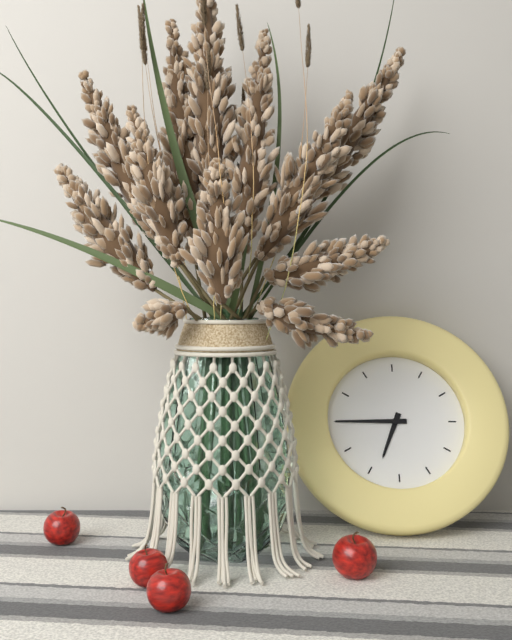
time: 6:45
